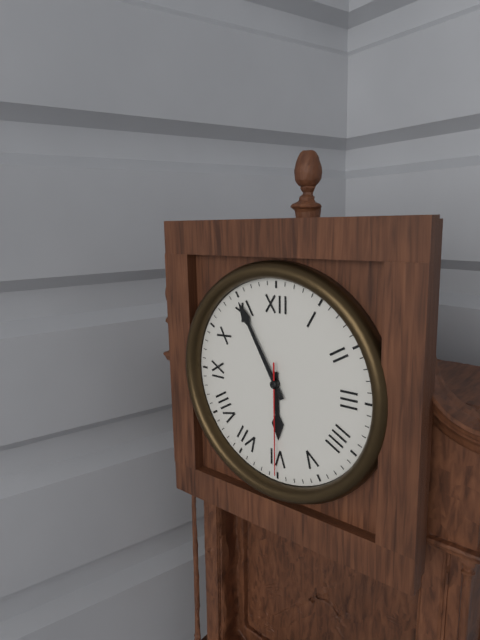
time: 5:55:30
